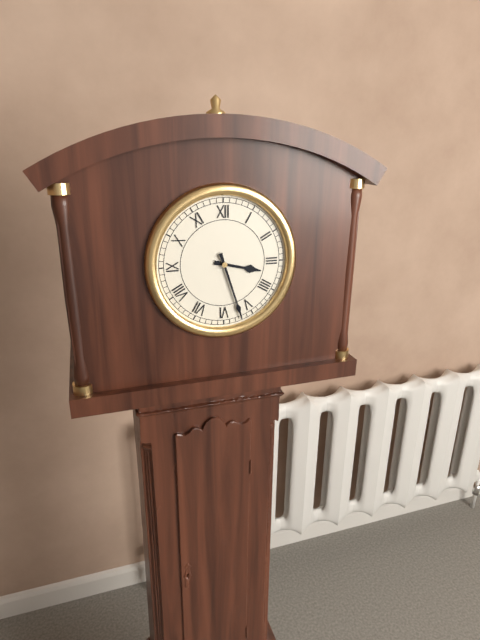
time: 3:27
